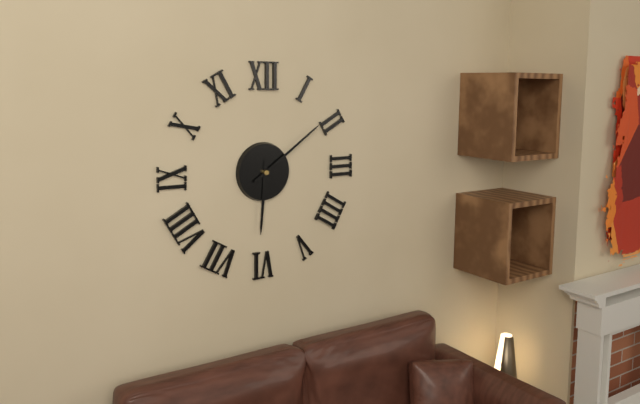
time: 6:09
